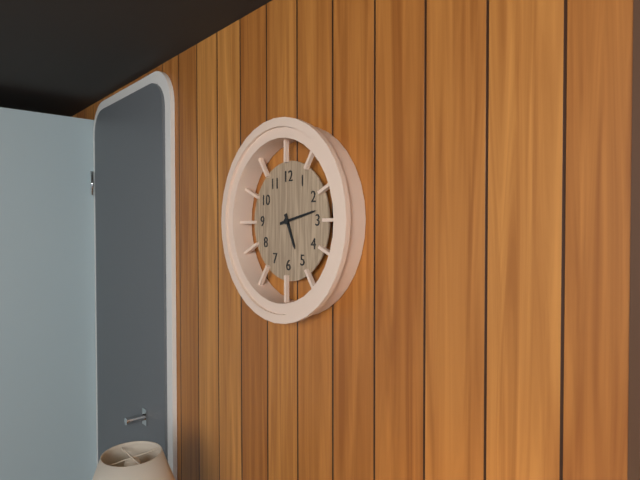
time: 5:13
